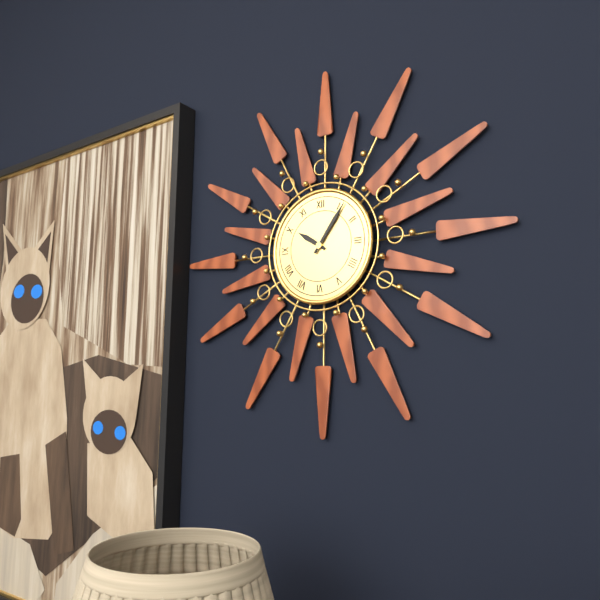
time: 10:06
